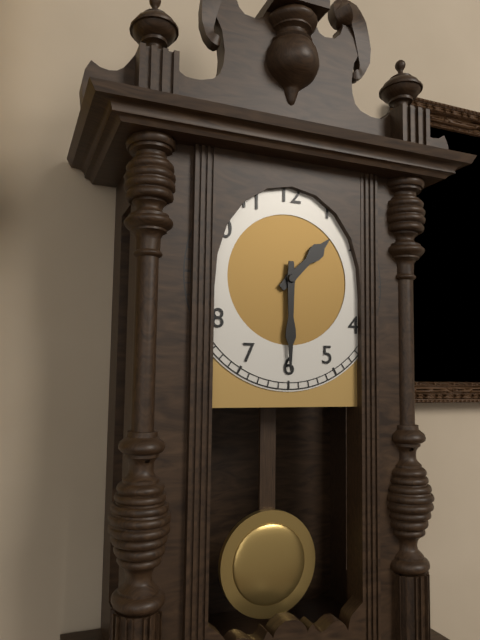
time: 1:30
